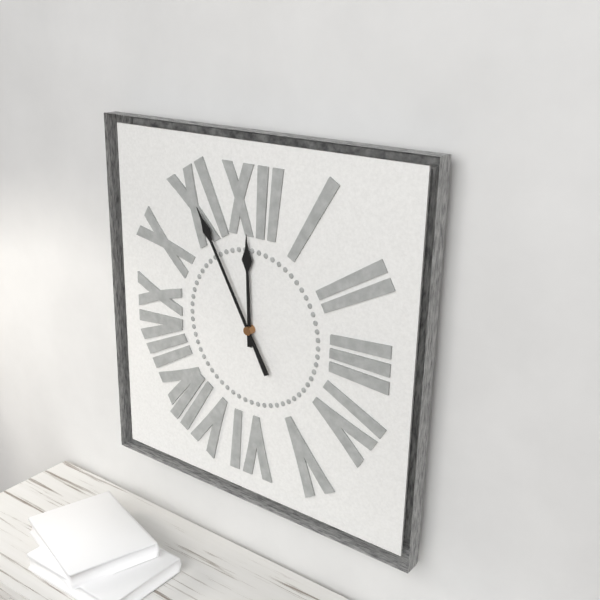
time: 11:55
